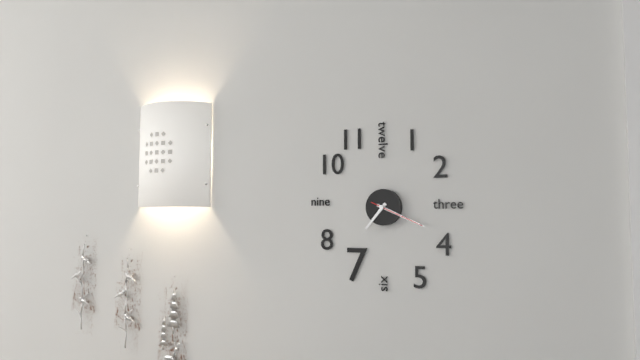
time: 7:19:19
